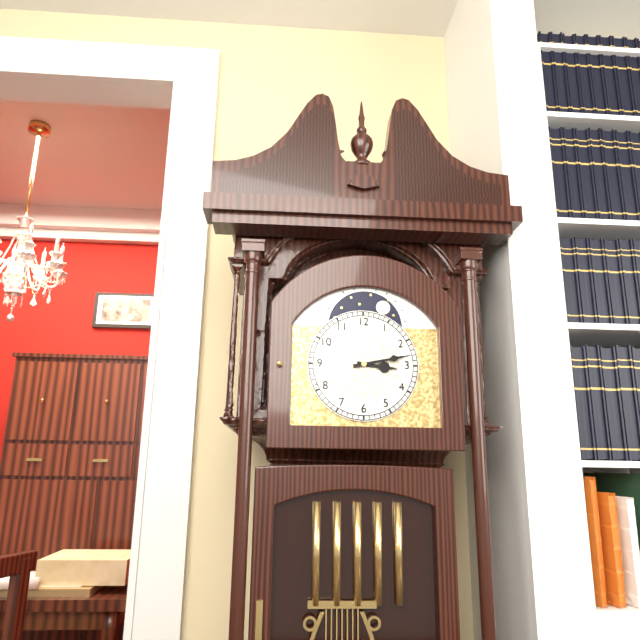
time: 3:13
